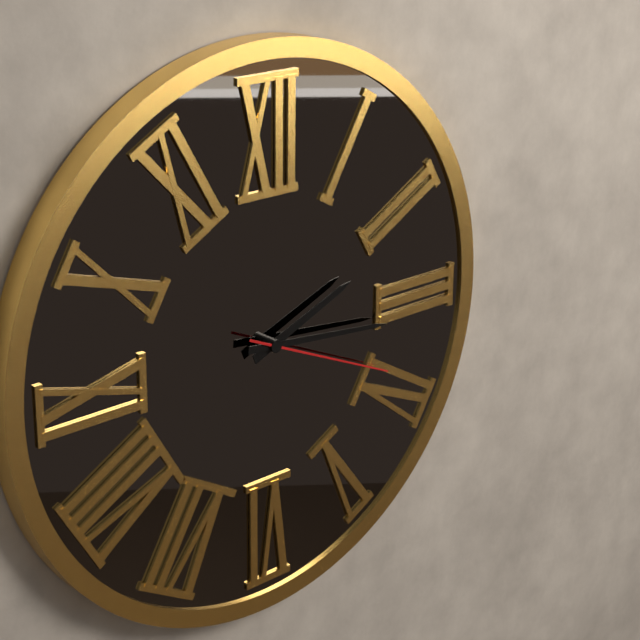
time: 2:16:19
